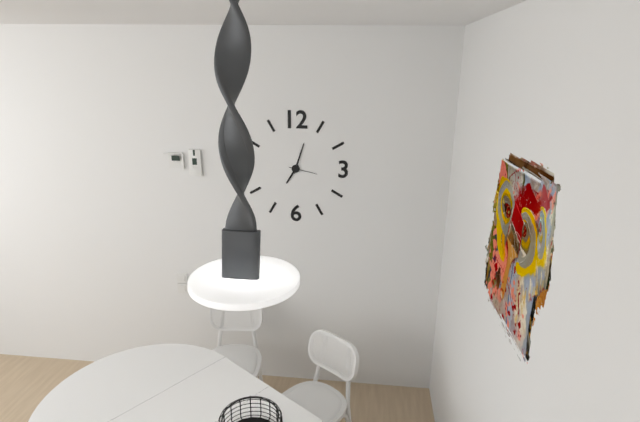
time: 7:03
